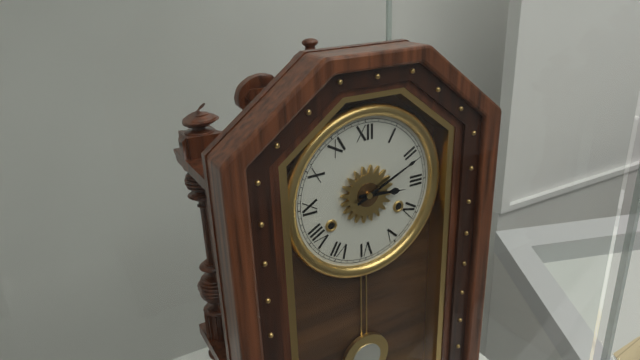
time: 3:11
